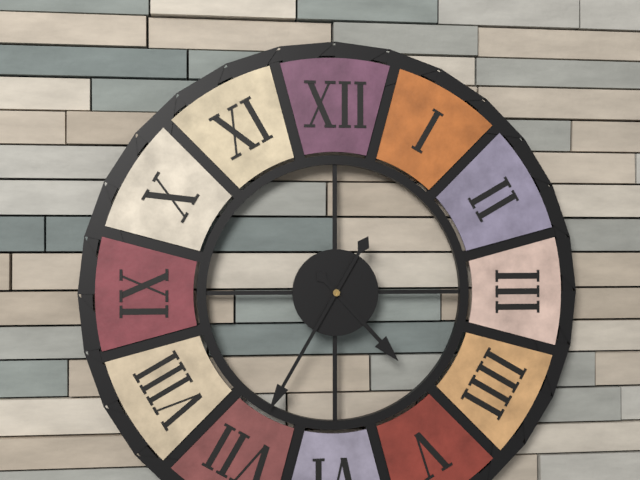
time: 4:35
